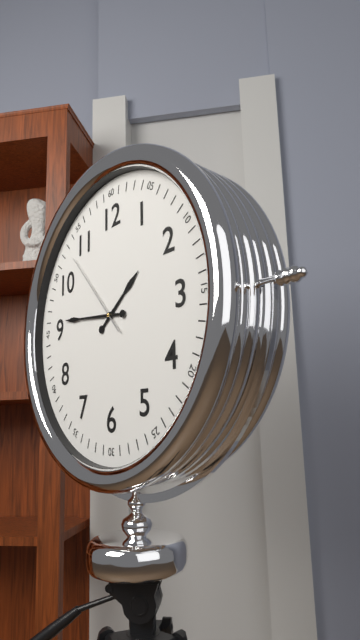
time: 1:46:53
